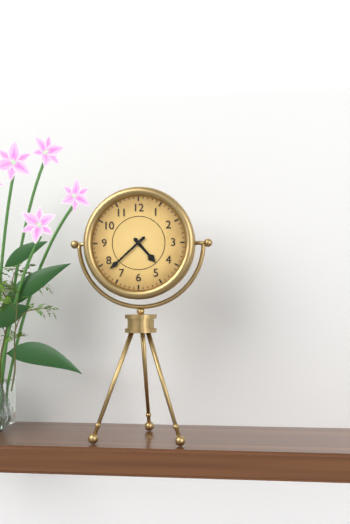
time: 4:38
